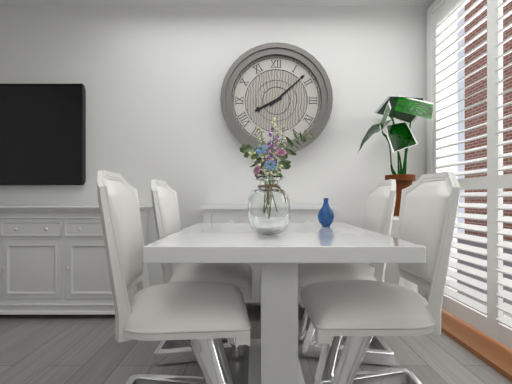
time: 8:08
